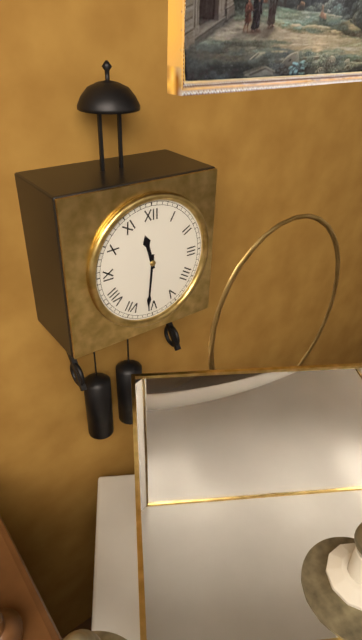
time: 11:31
